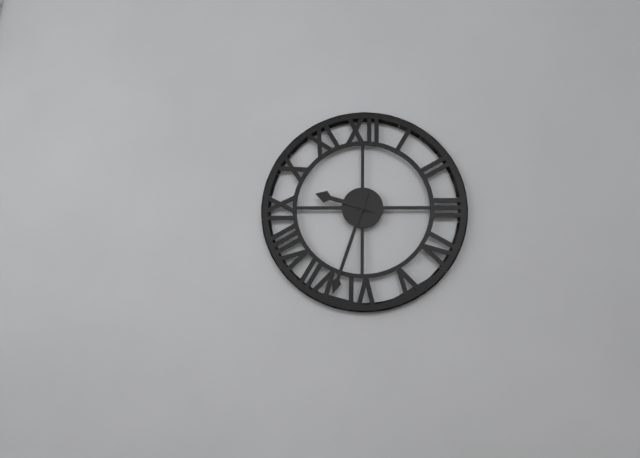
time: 9:33
